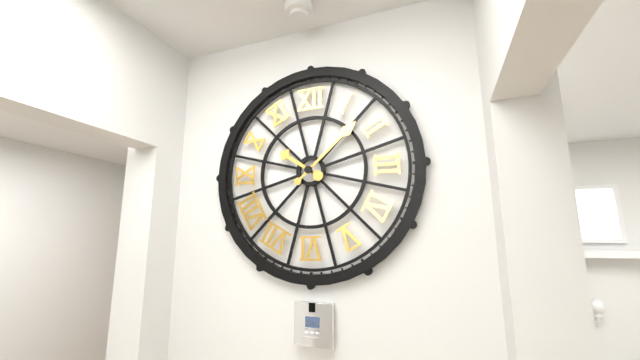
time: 10:08
